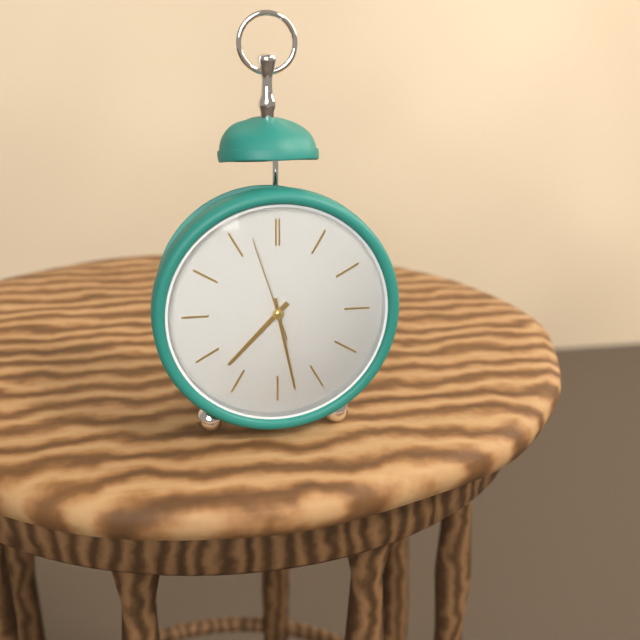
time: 7:28:57
